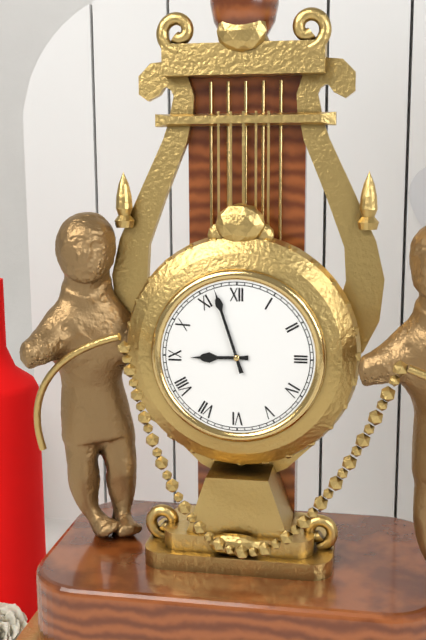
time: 8:57
